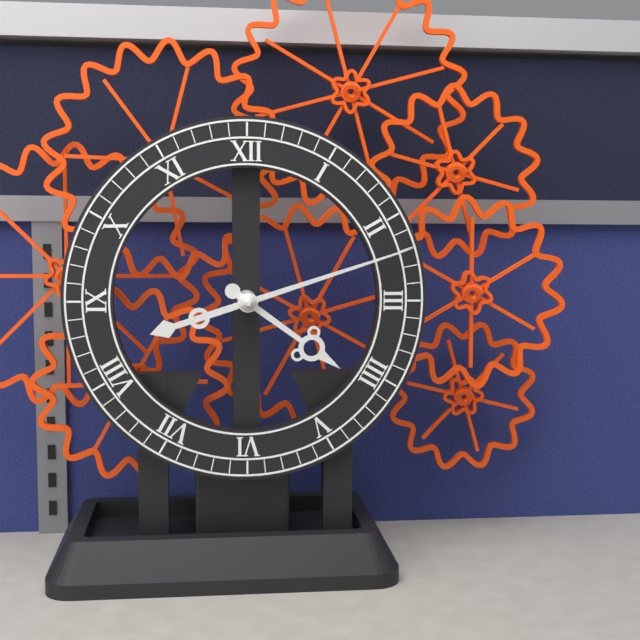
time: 4:12
